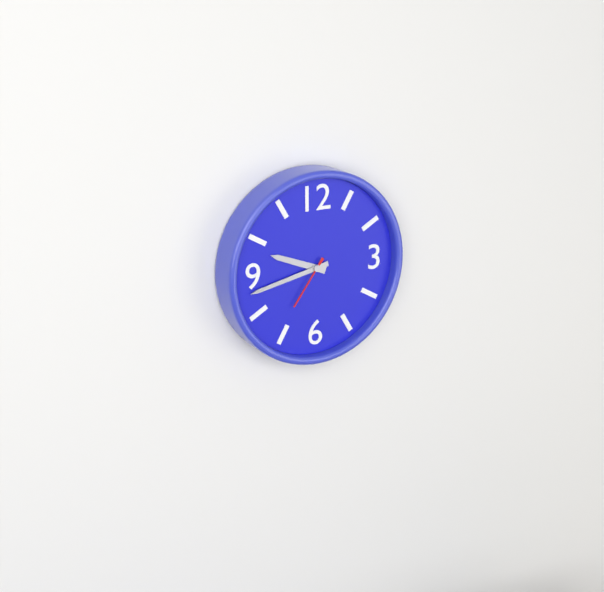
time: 9:43:36
